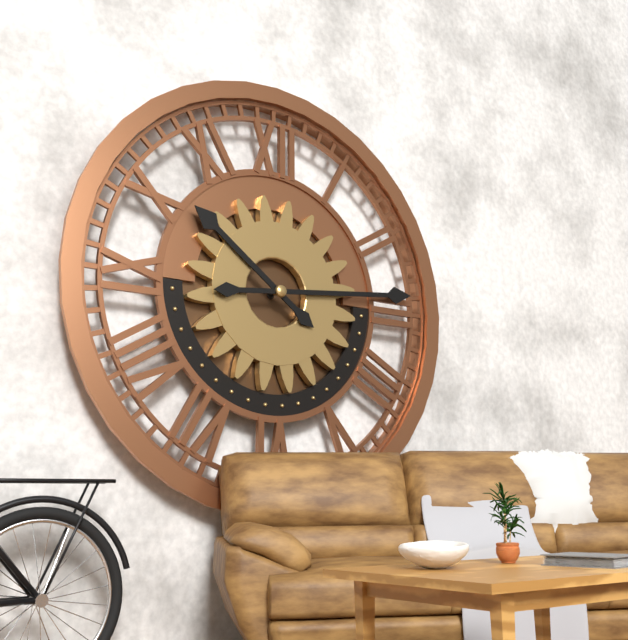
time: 10:14
